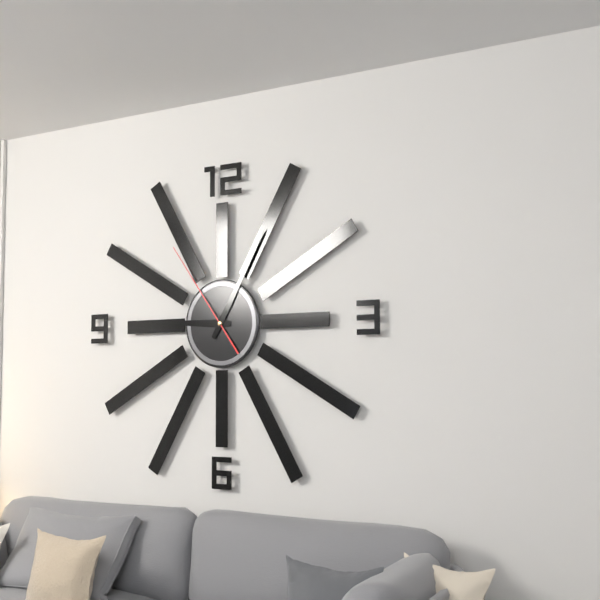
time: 9:05:54
